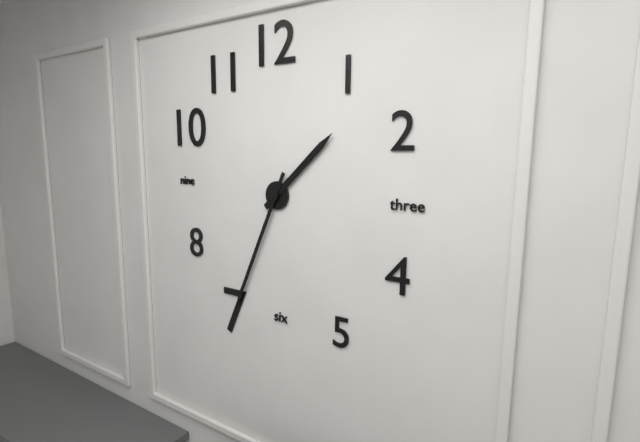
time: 1:34
